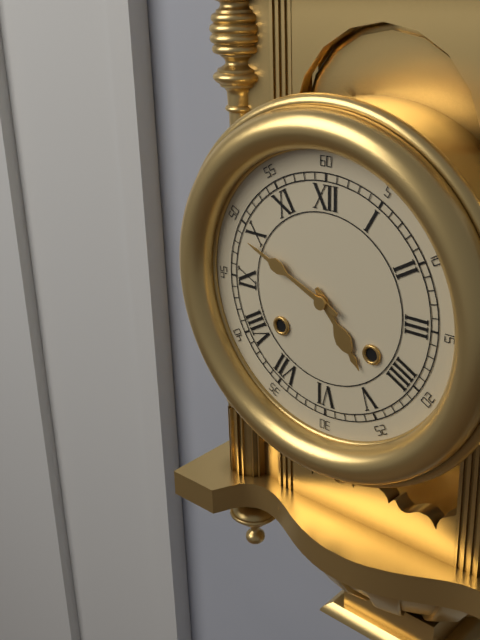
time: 4:49
